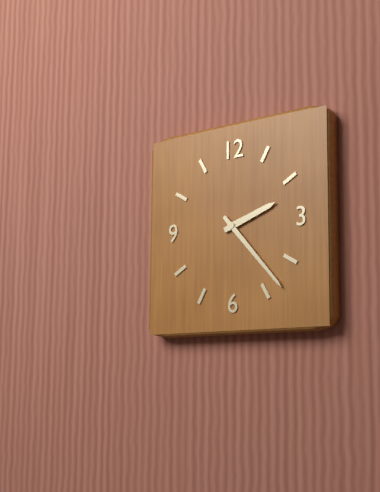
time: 2:23
